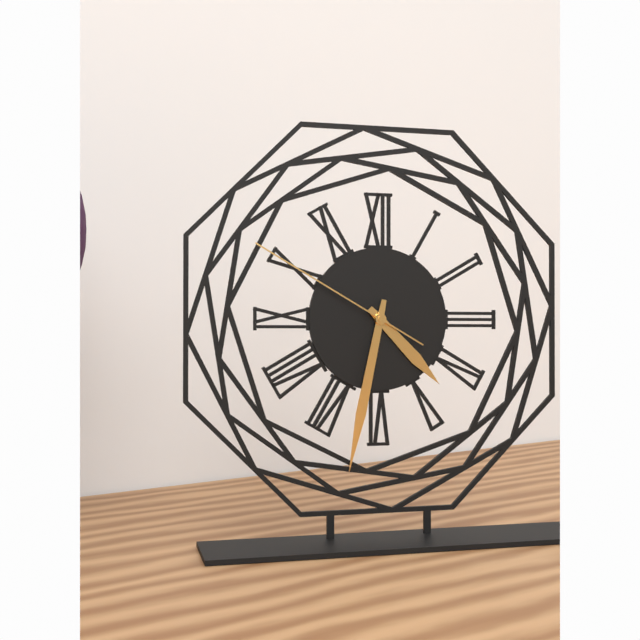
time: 4:32:50
